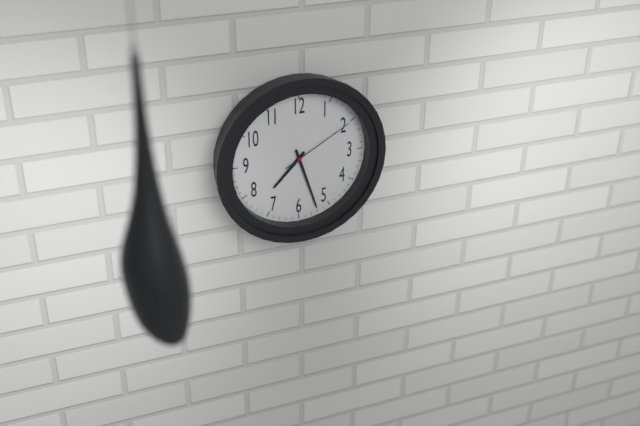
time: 7:27:10
